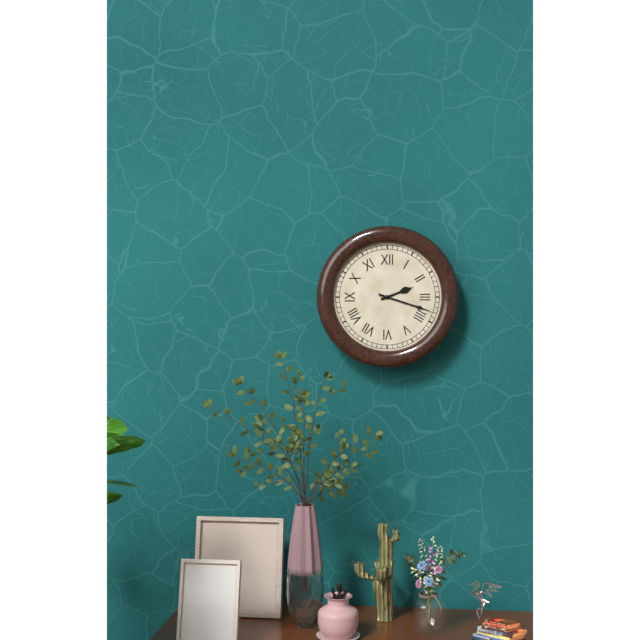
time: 2:18
